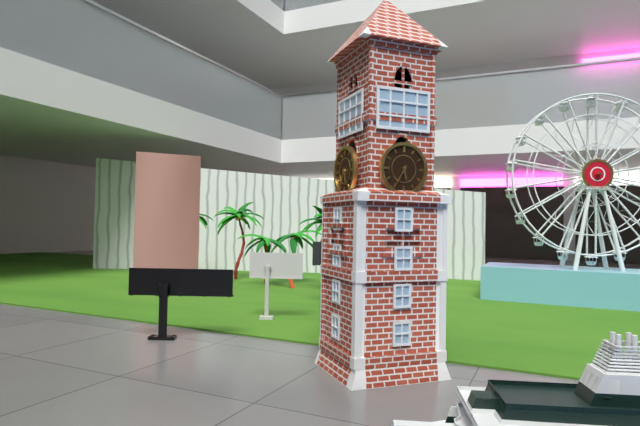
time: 5:35
